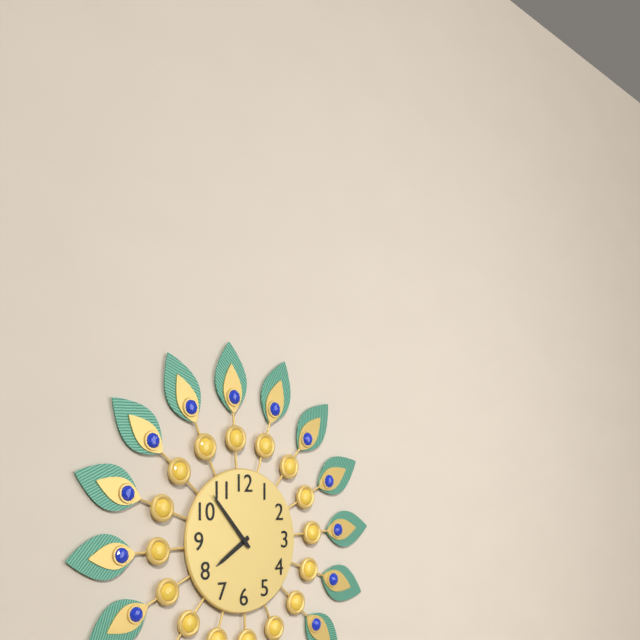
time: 7:53
